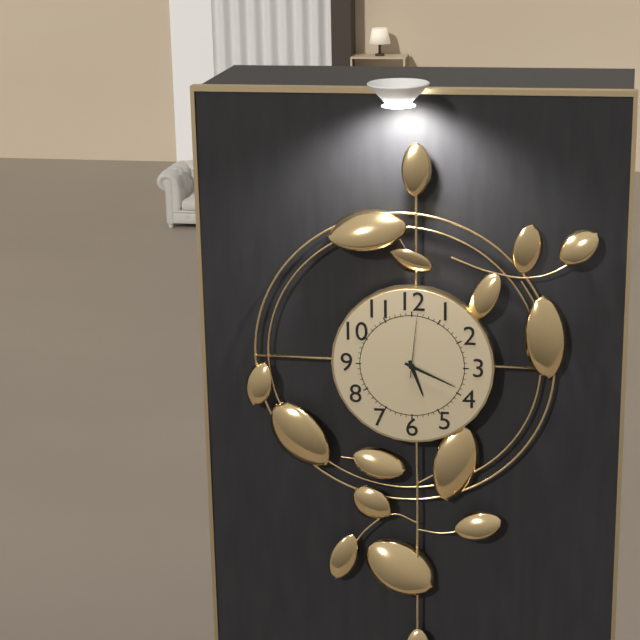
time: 5:19:01
